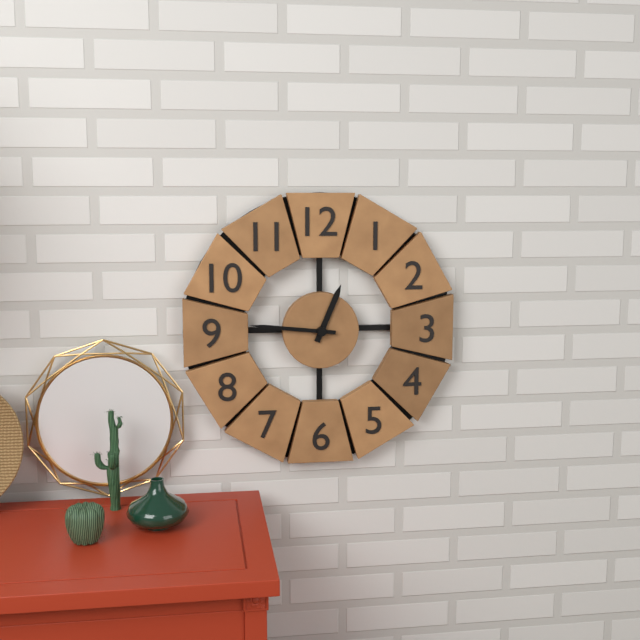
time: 12:46
